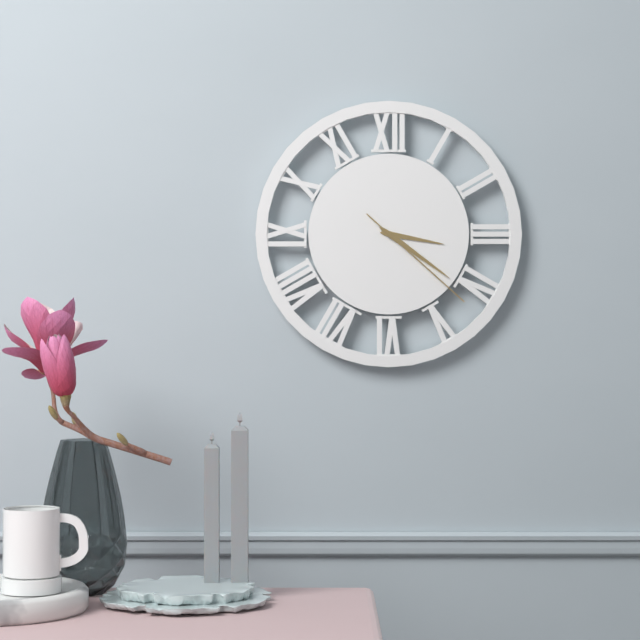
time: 3:21:22
